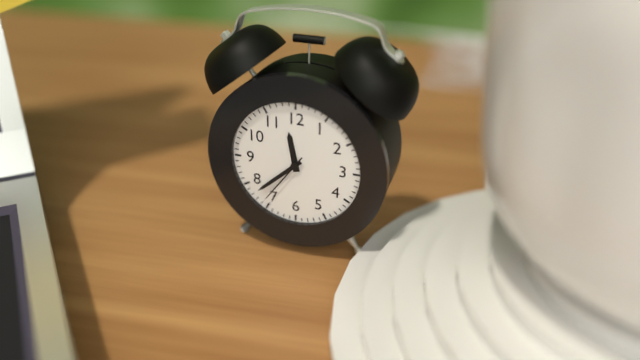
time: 11:38:36
